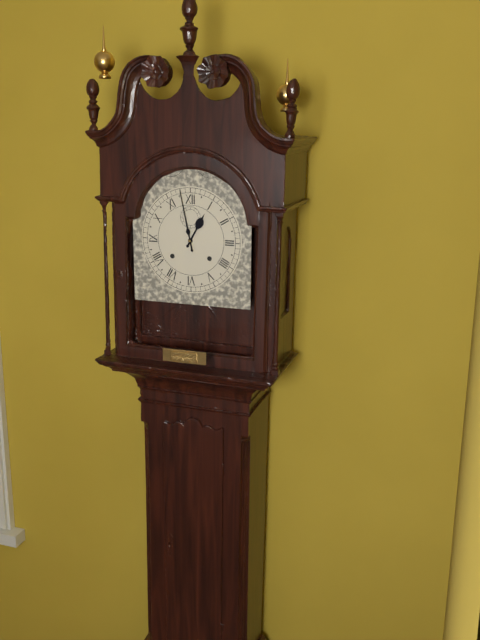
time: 12:58
